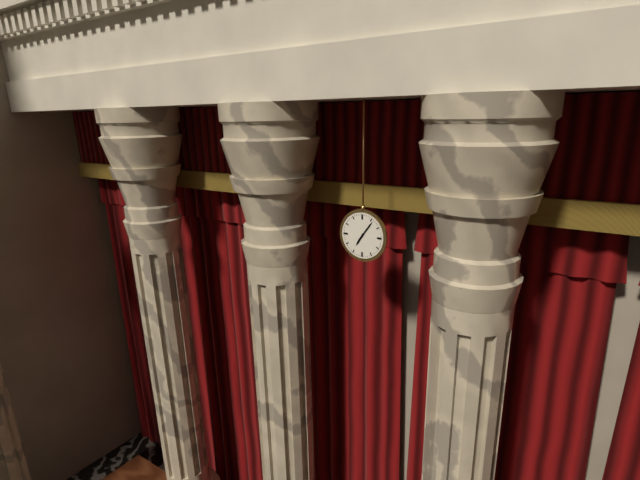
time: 7:06
